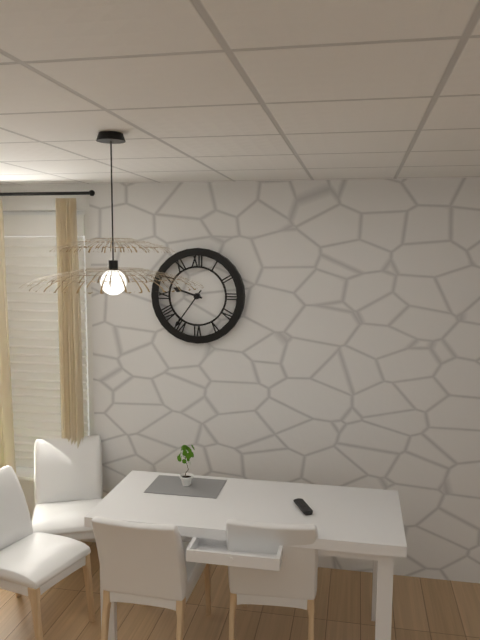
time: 9:36
